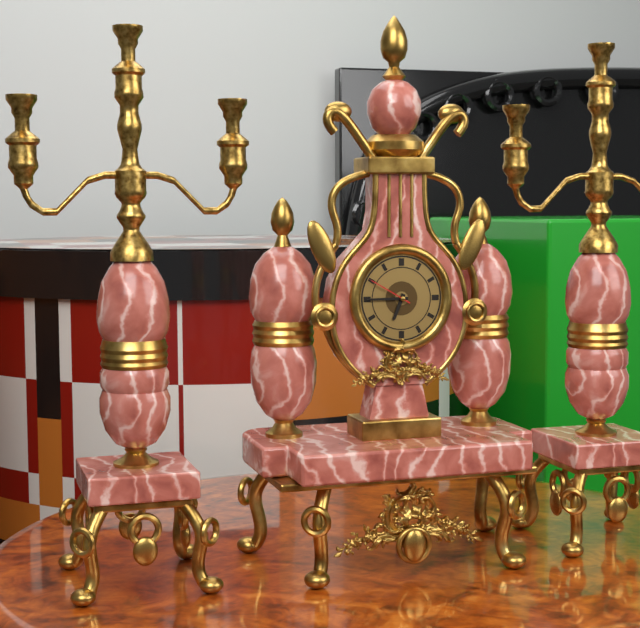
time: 6:45
